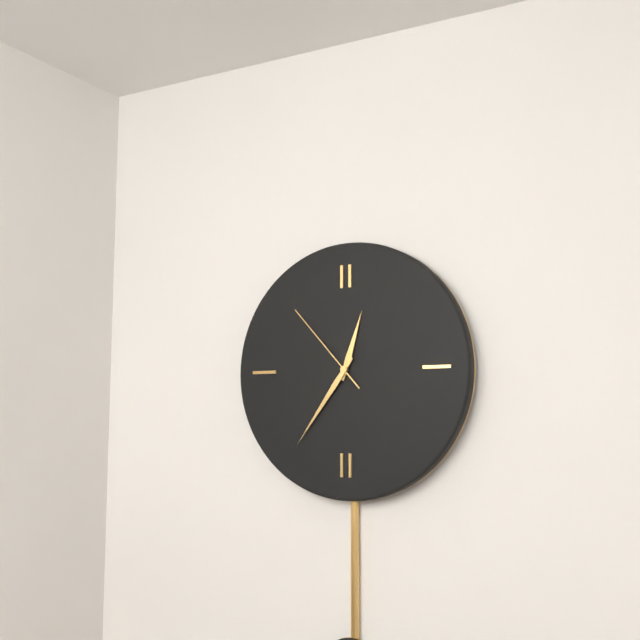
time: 12:36:53
